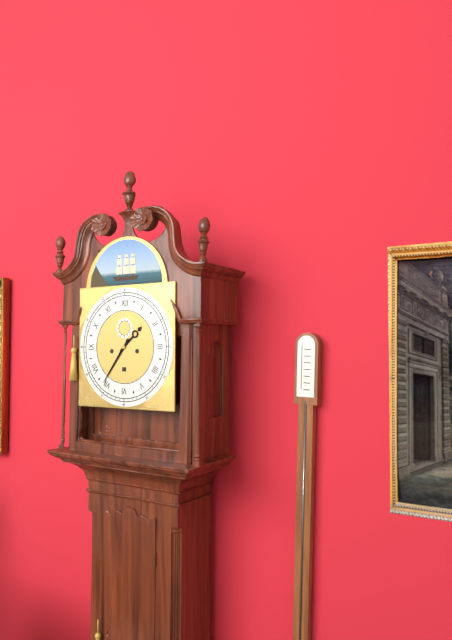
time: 1:36
